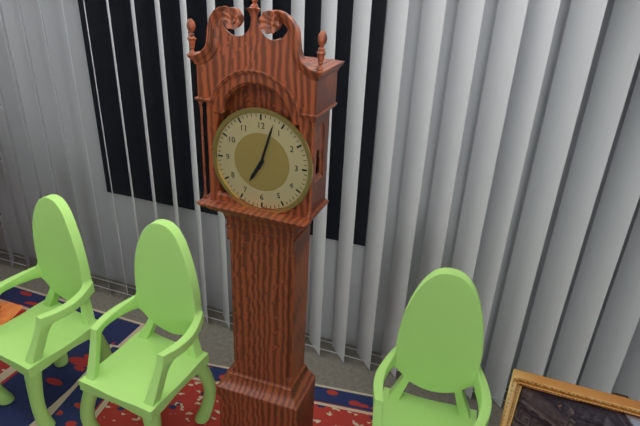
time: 7:03
